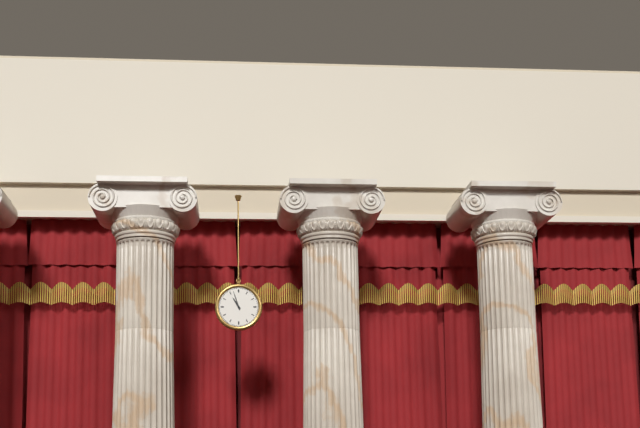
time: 10:57
